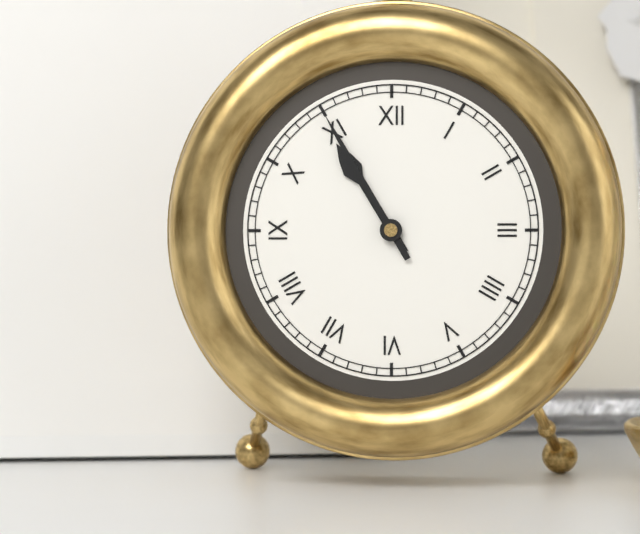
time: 10:55
